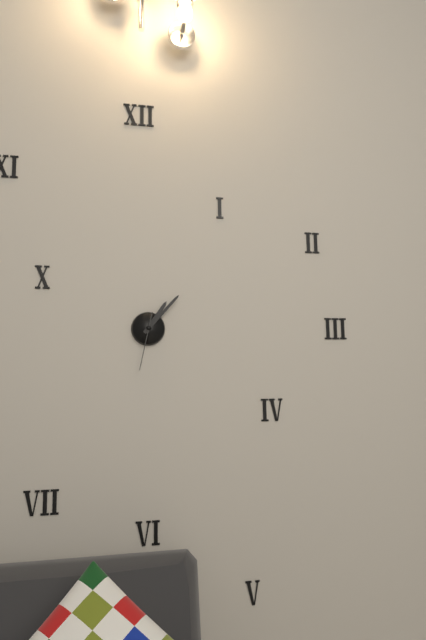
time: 1:07:32
